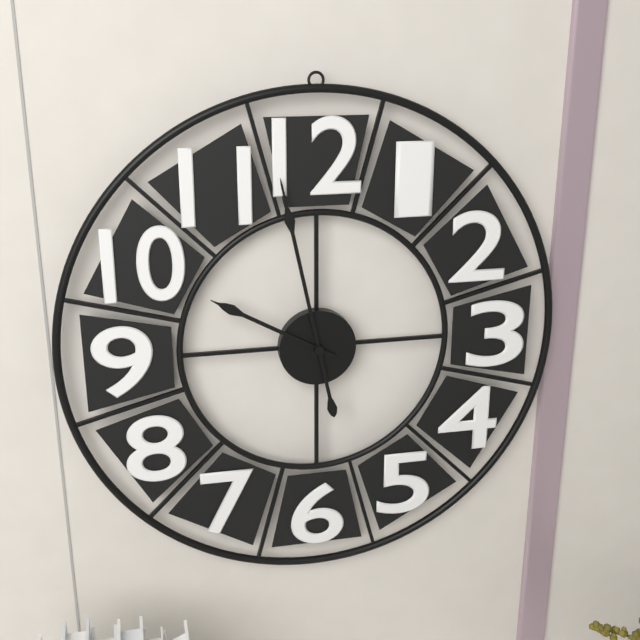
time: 9:58
